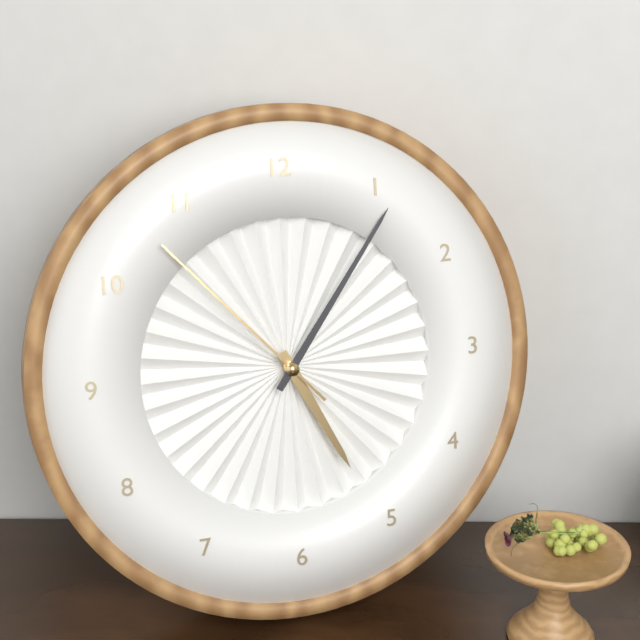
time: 5:06:53
